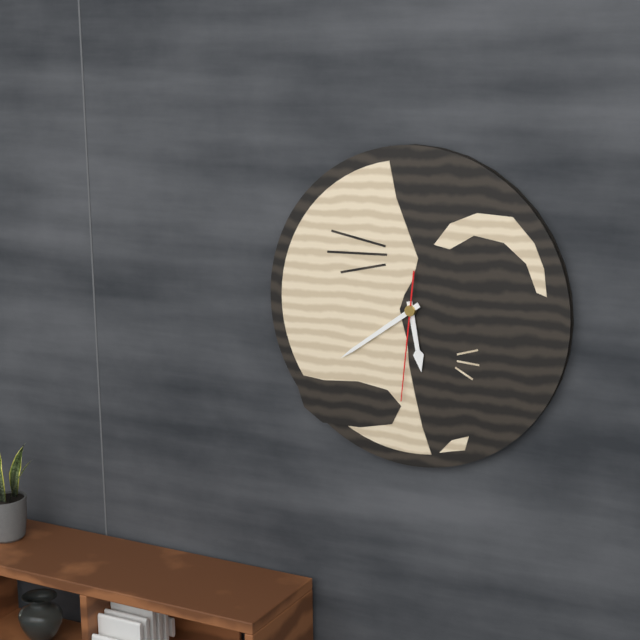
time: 5:39:31
